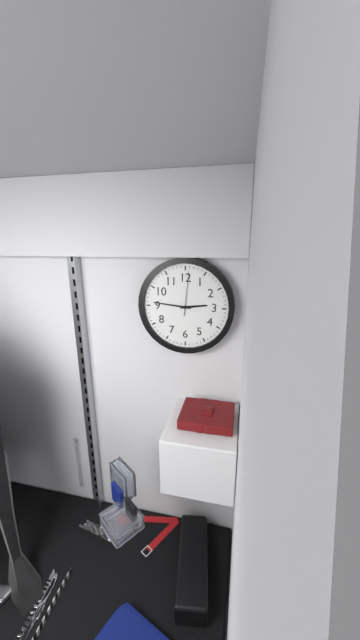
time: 2:46
